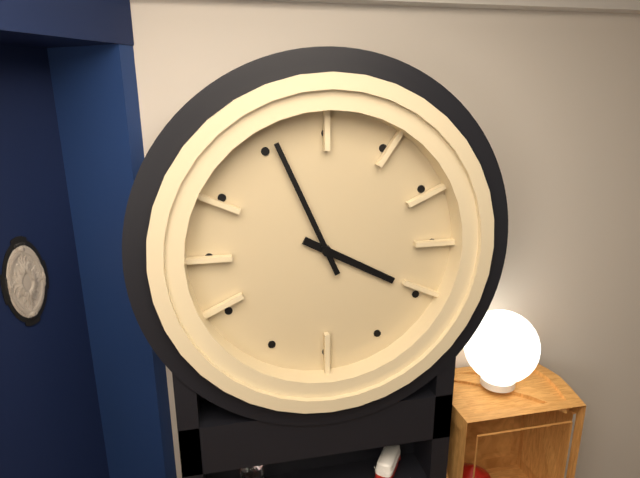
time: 3:56
